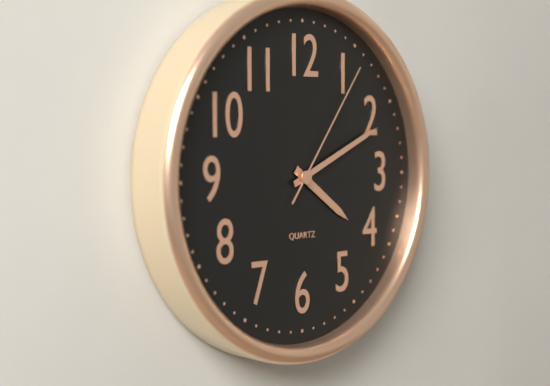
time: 4:11:06
